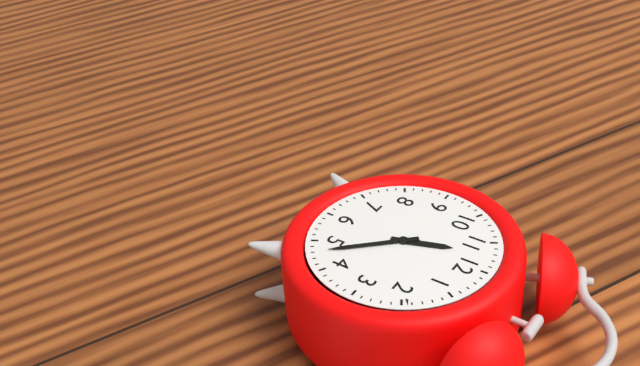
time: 11:23
